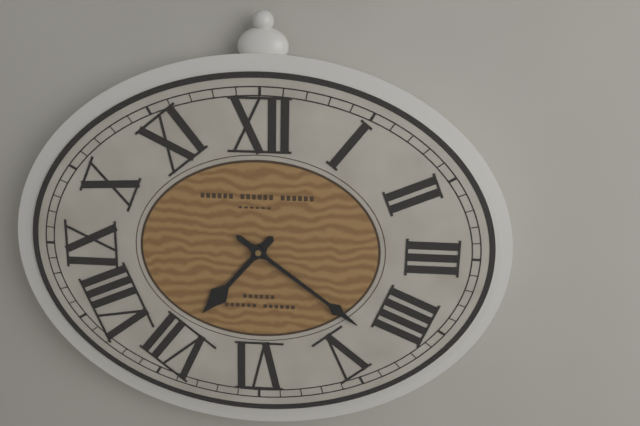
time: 7:21
